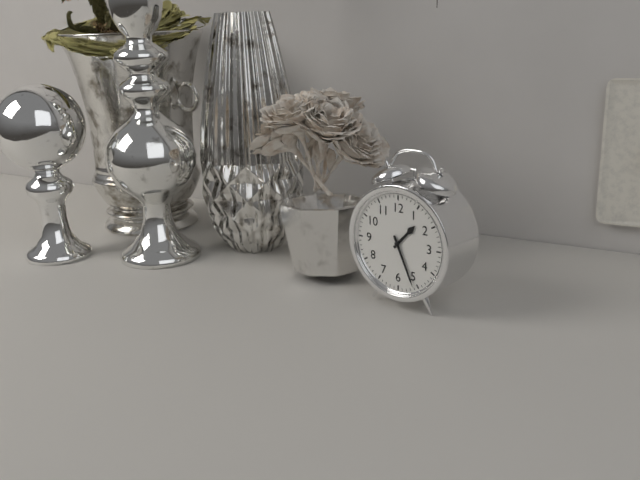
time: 1:26
